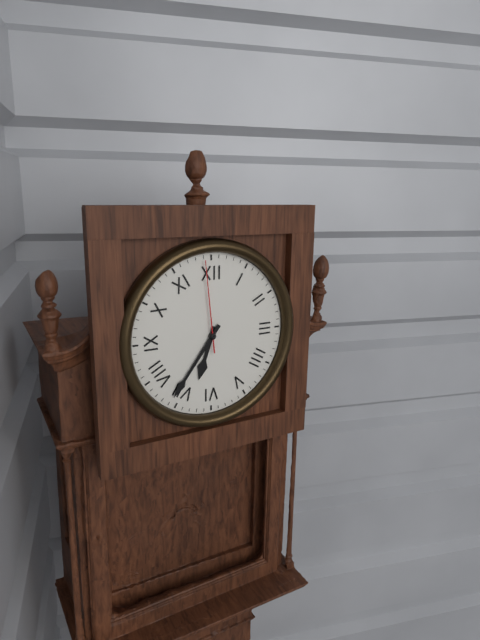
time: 6:36:59
